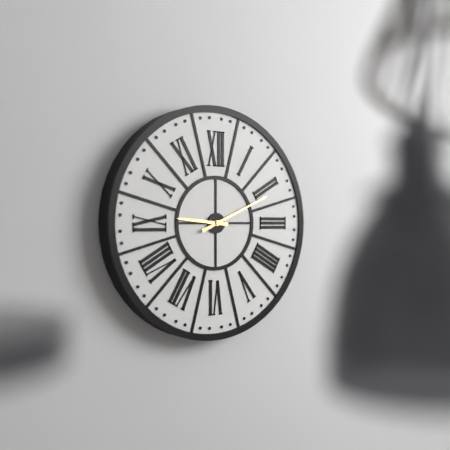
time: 9:11
